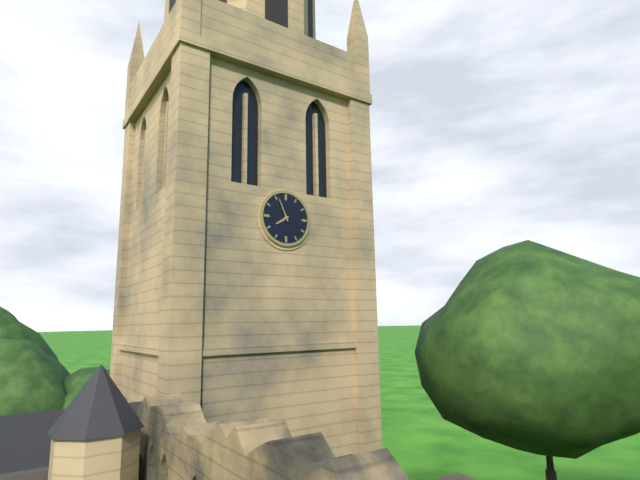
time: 7:56
